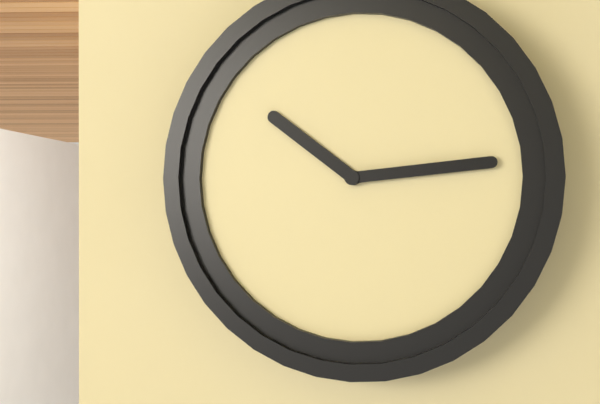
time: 10:14
